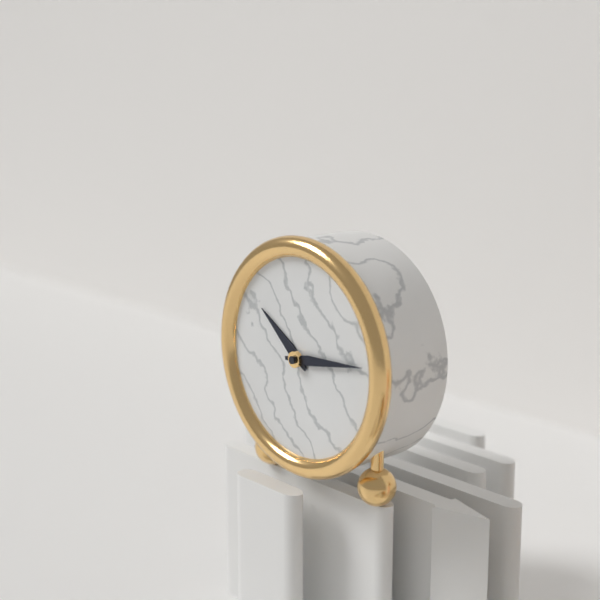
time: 10:14
